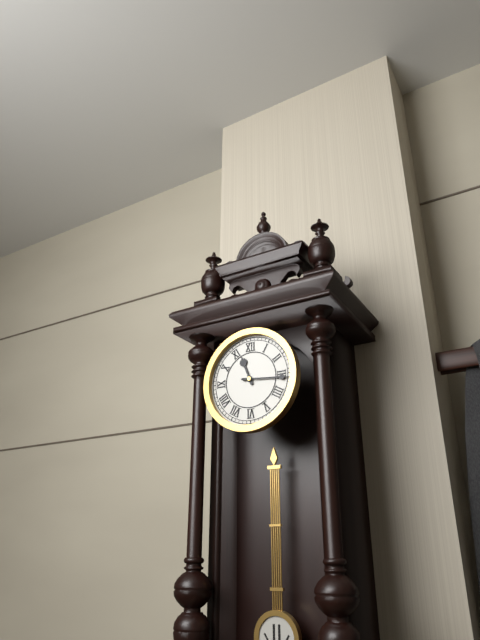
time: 11:16
